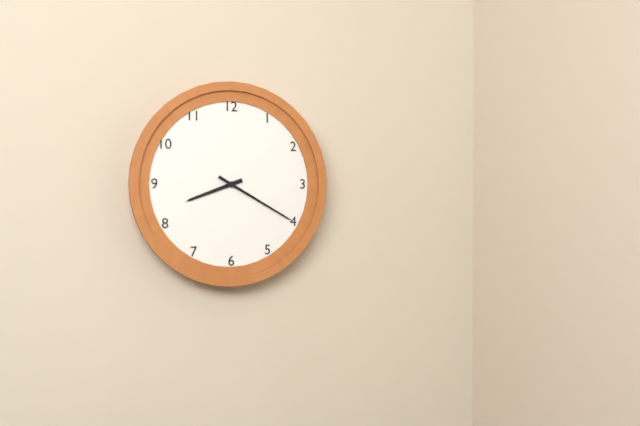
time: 8:20
